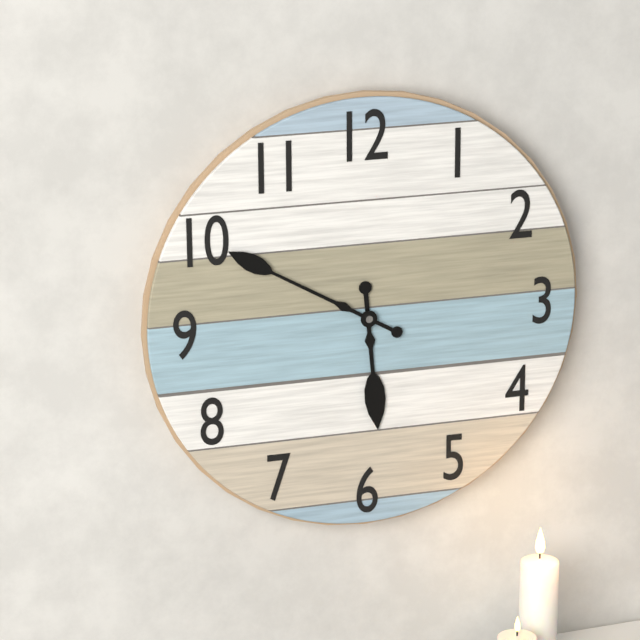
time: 5:50
